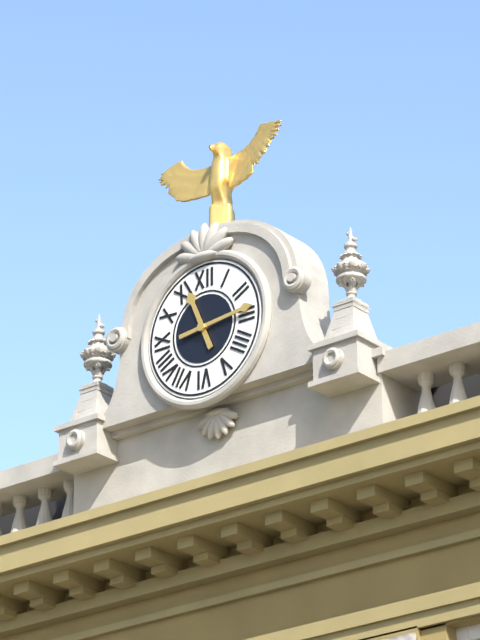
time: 11:14
